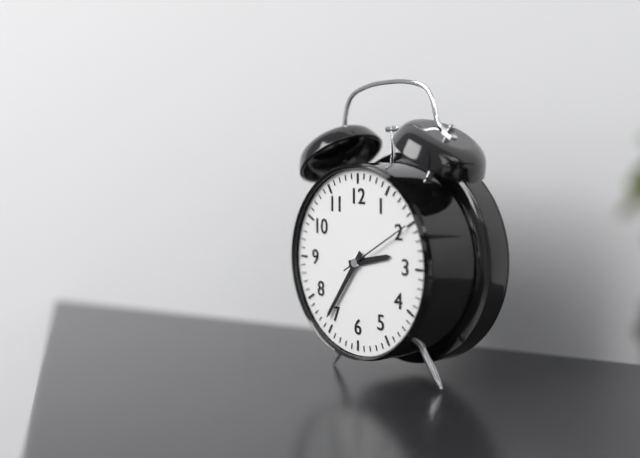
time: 2:36:10
